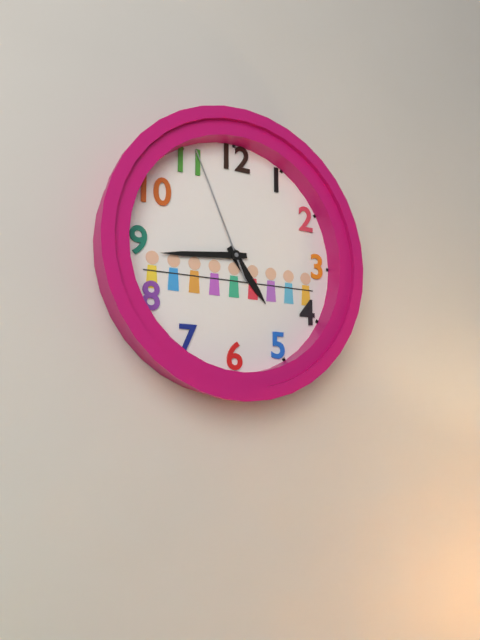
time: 4:44:56
